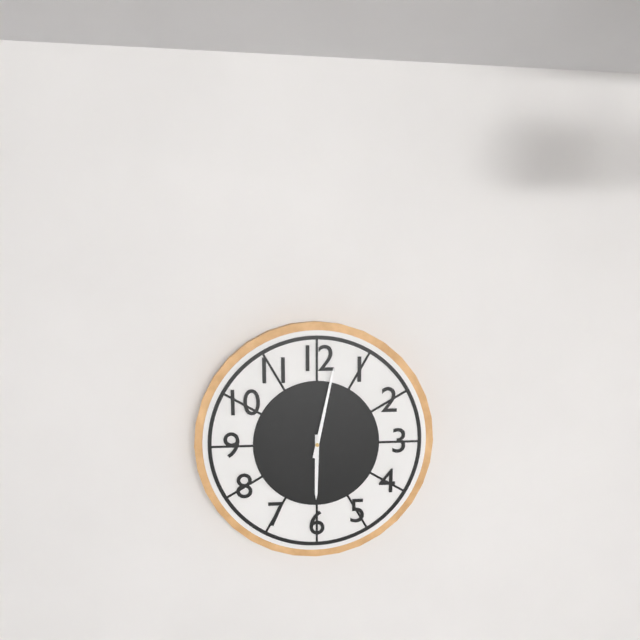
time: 6:02
